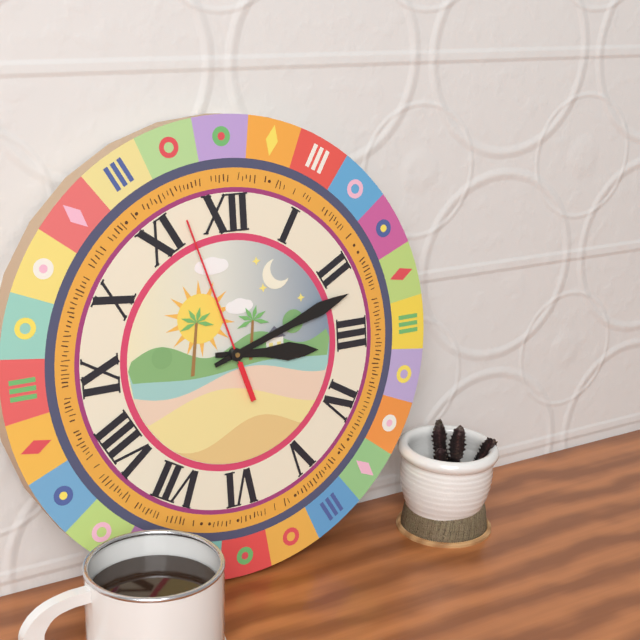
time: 3:12:57
